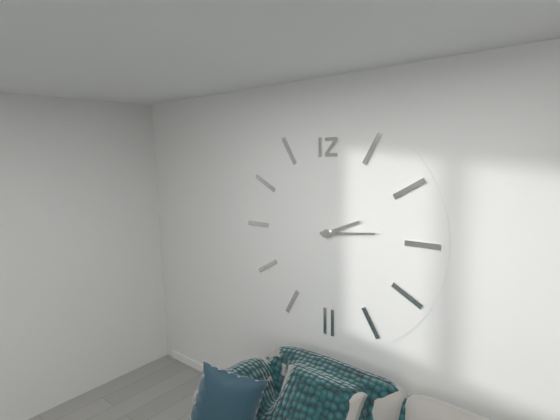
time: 2:14
